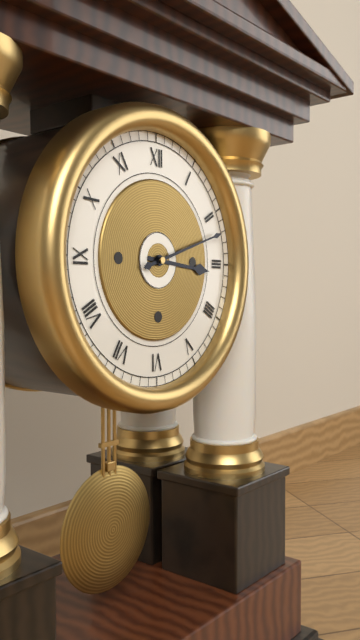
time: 3:12
